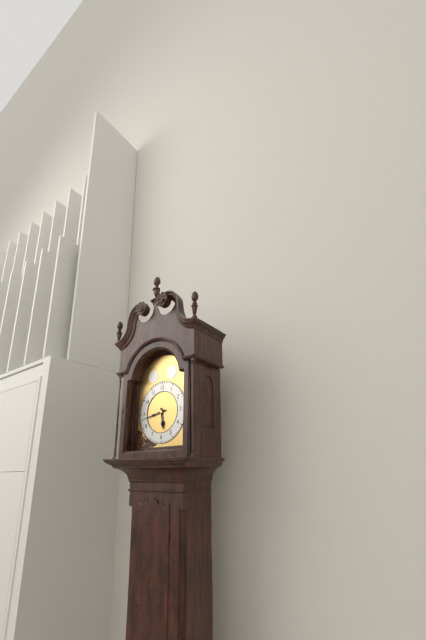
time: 5:43
